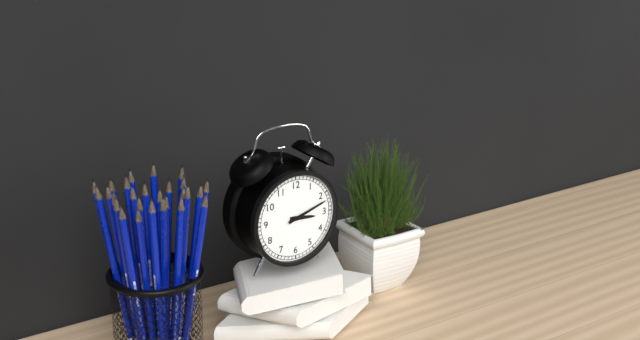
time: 3:12
